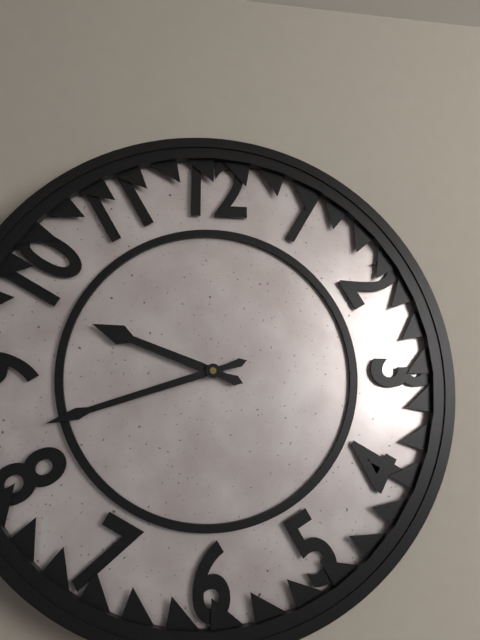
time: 9:42
